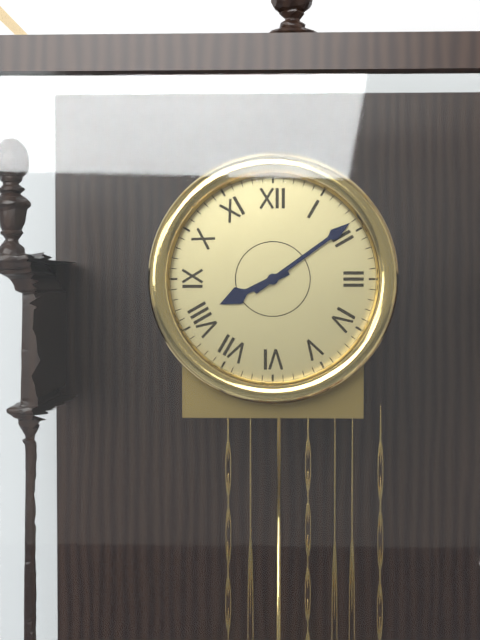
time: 8:09
